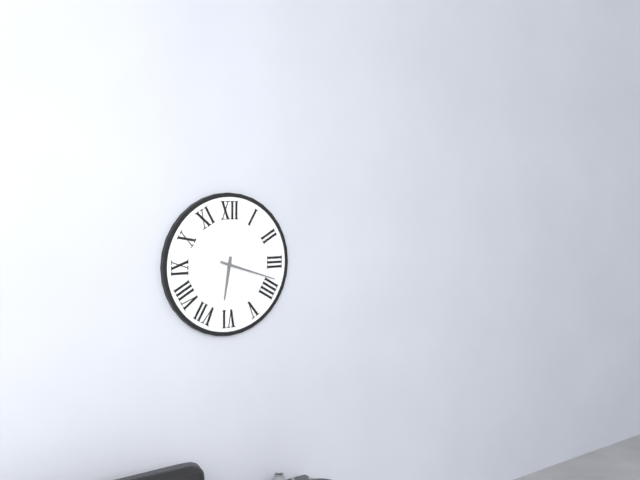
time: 6:18
